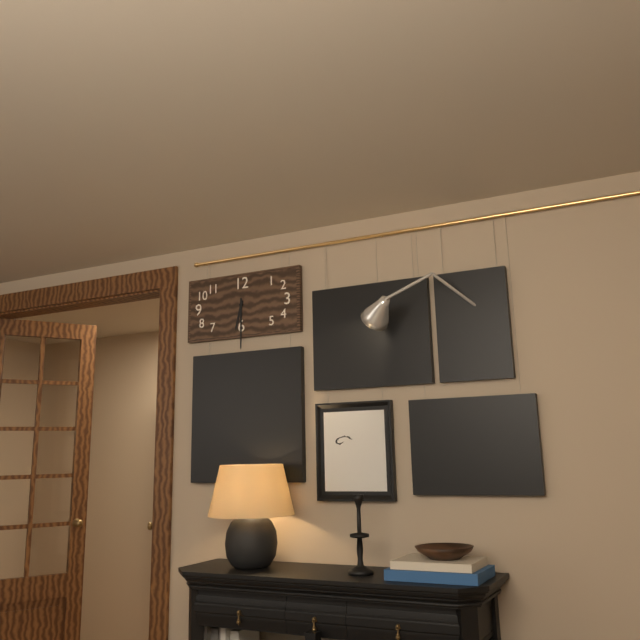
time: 6:30
